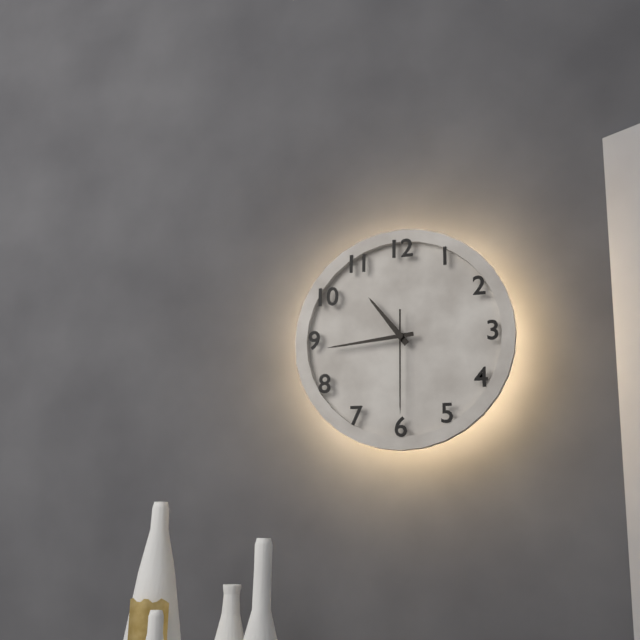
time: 10:44:30
